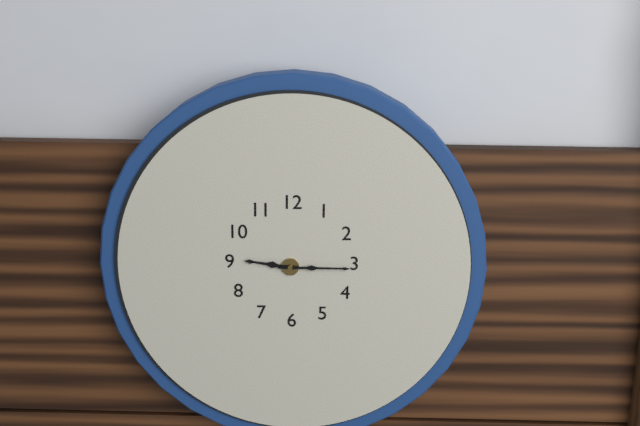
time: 9:15
